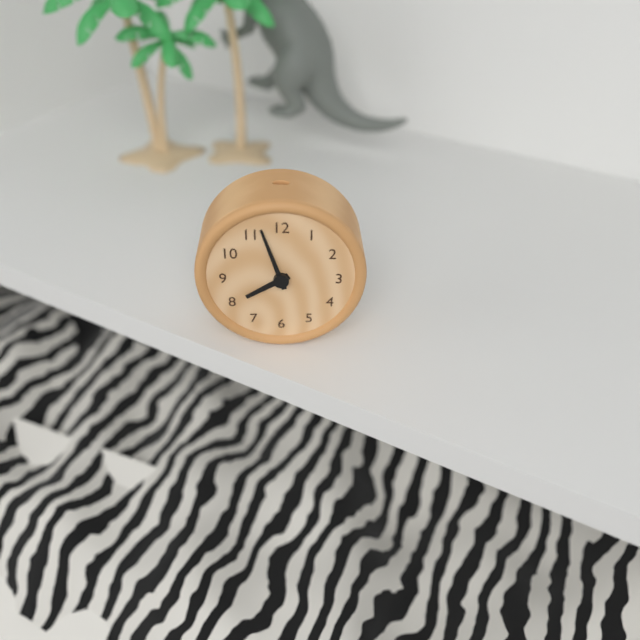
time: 7:57
